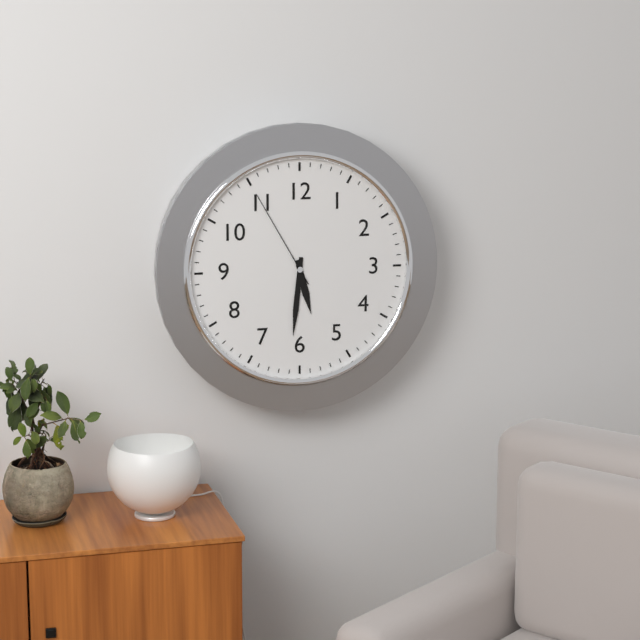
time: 5:31:55
